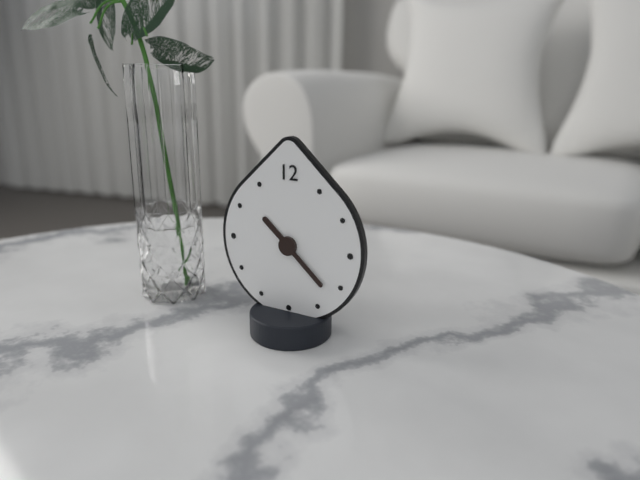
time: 10:22
